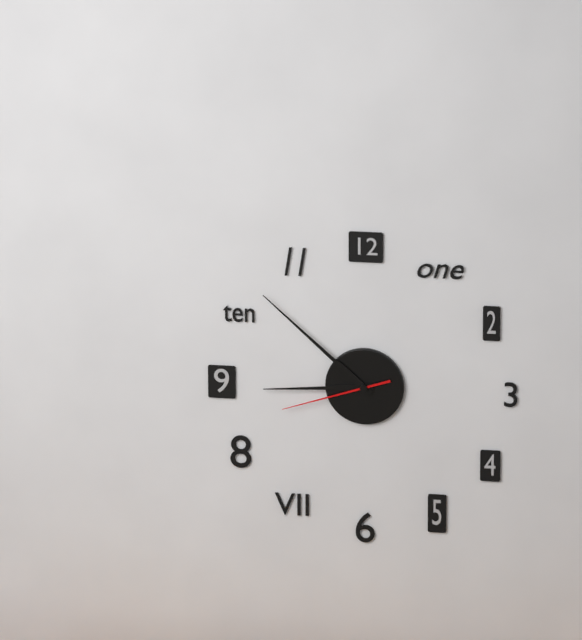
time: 8:52:42
